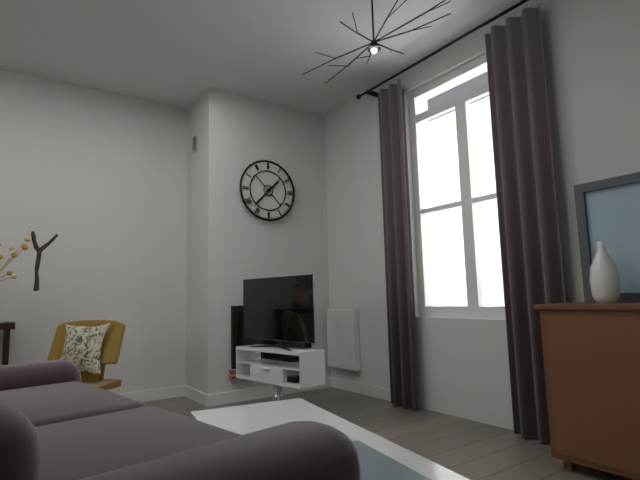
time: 1:37
